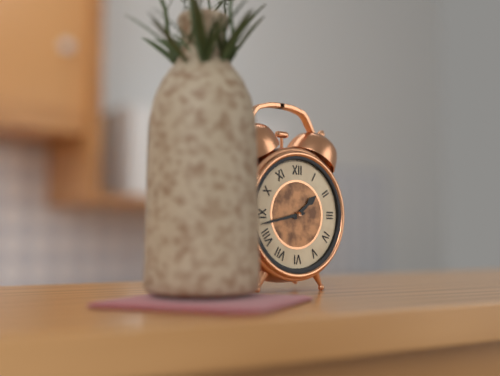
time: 1:43
